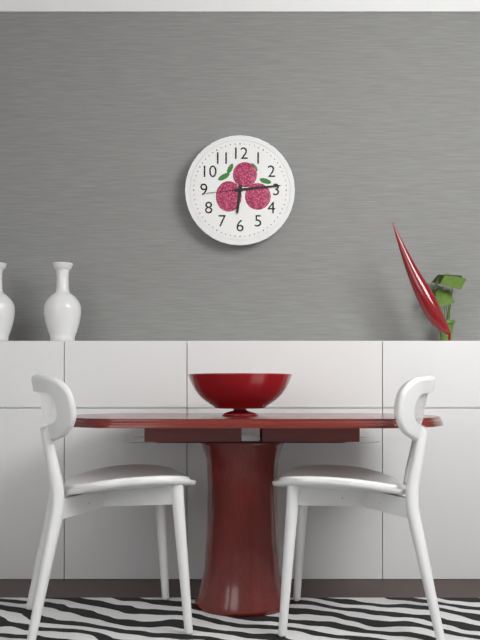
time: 6:14
